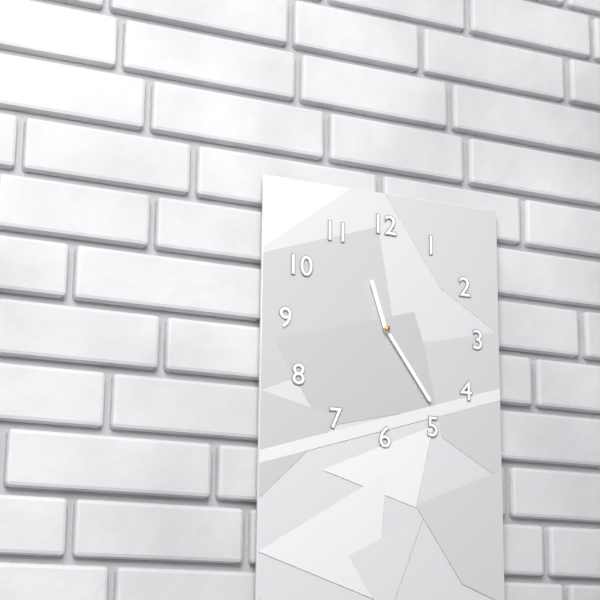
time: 11:24
